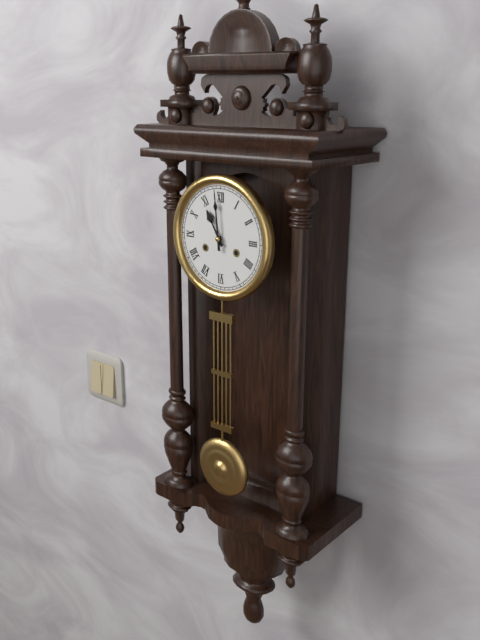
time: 10:59
